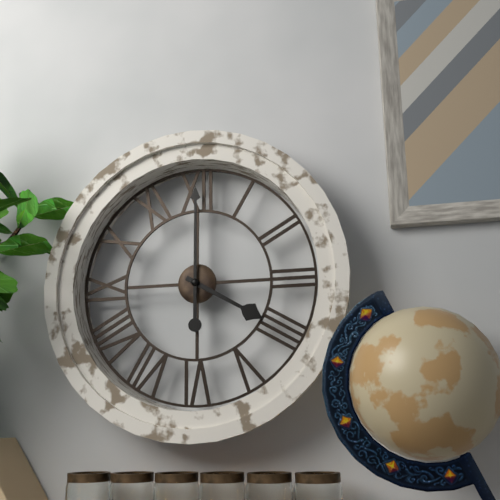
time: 4:00
